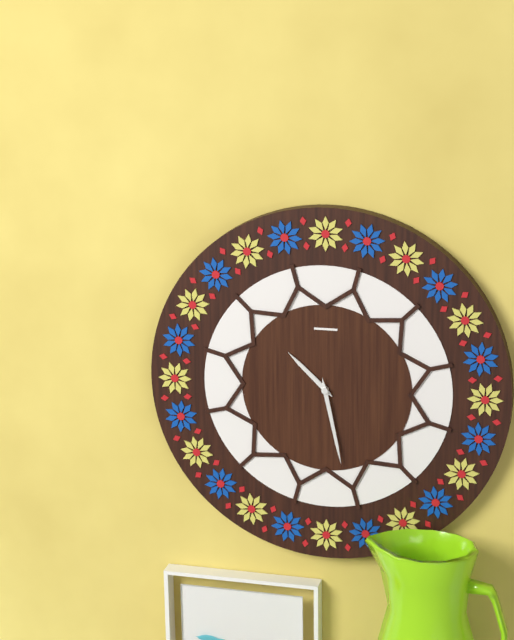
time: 10:28
